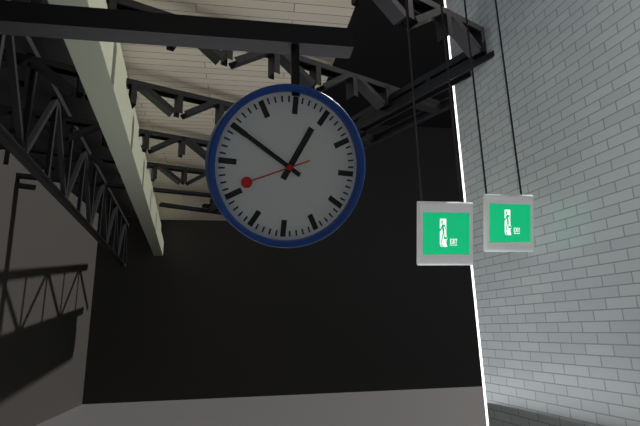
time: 12:50:41
